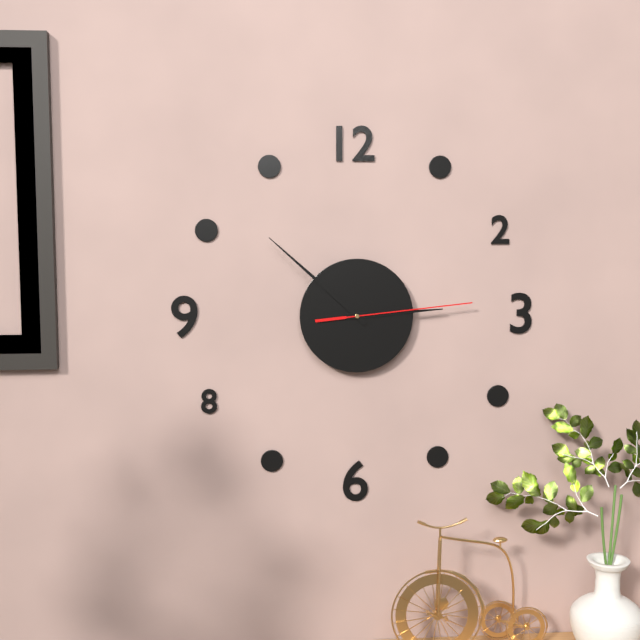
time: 2:52:14
